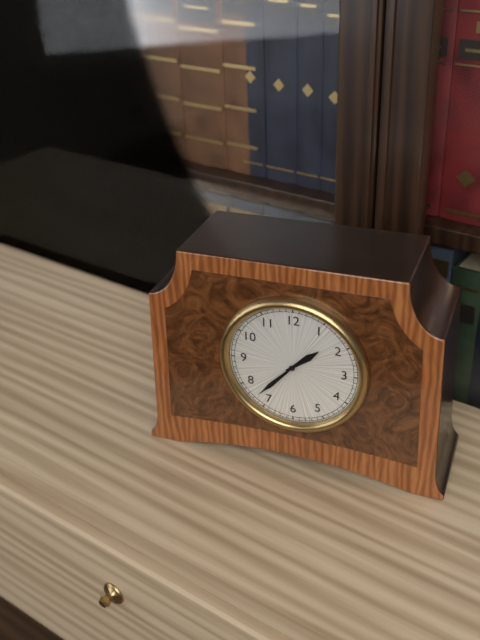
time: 1:37
